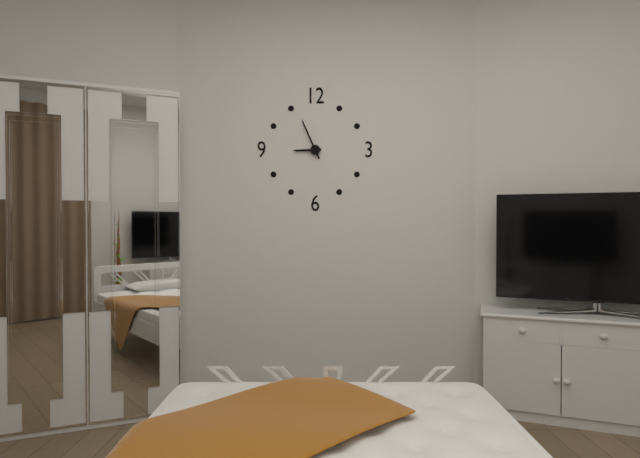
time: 8:56
